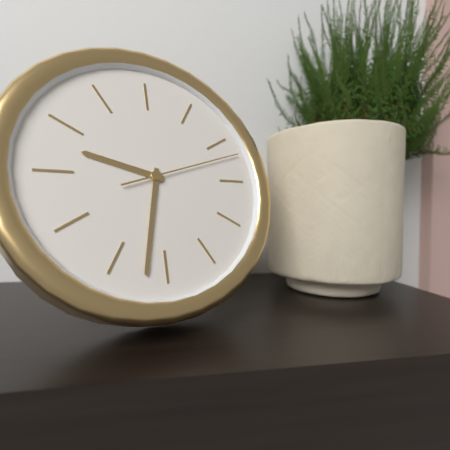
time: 9:32:12
